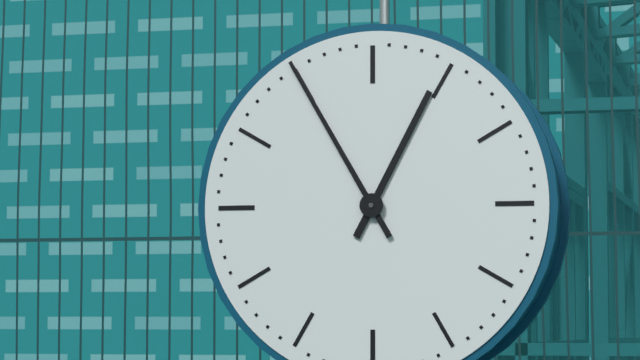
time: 12:55
